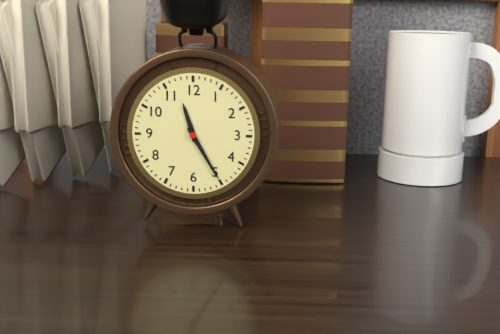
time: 11:25
